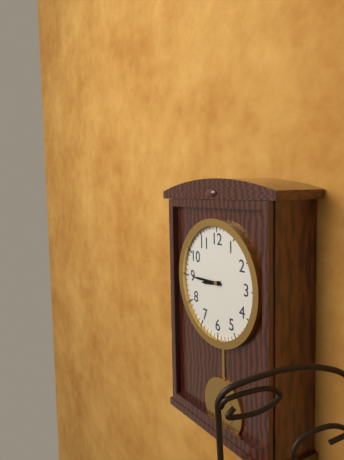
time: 8:45
